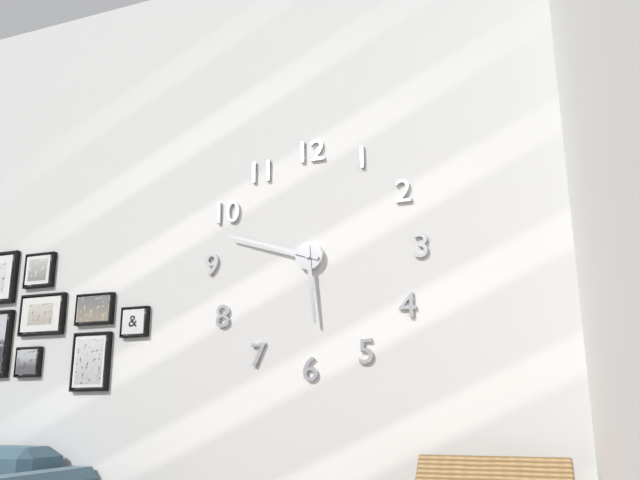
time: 5:48
